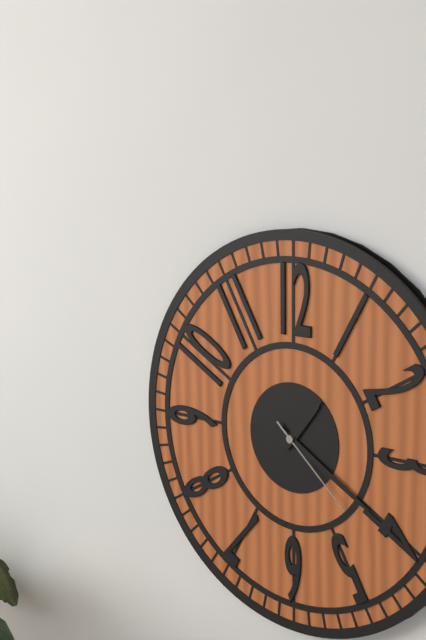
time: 1:20:22
